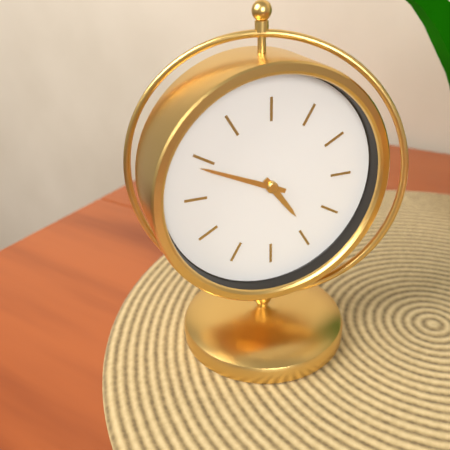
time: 4:49
